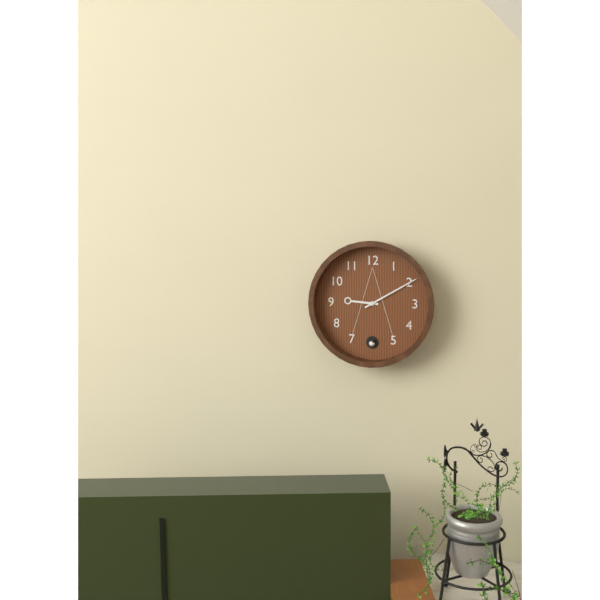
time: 9:10
